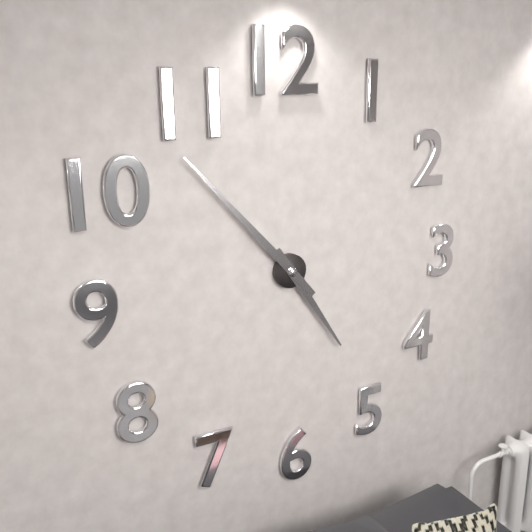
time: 4:53
